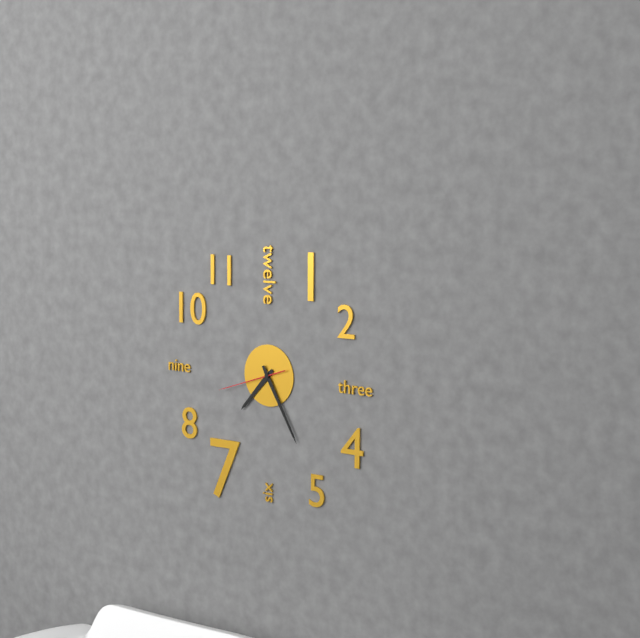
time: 7:25:42
